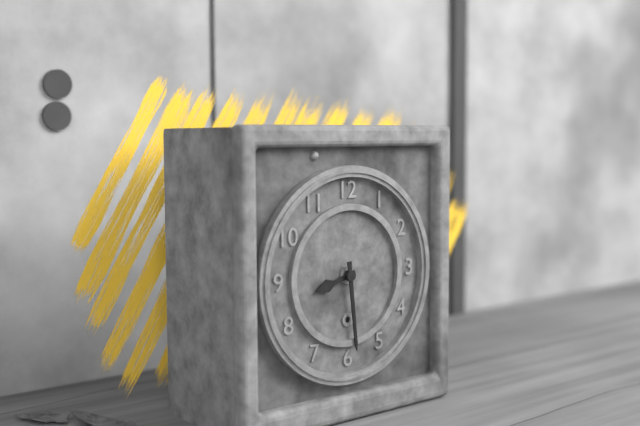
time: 8:29
